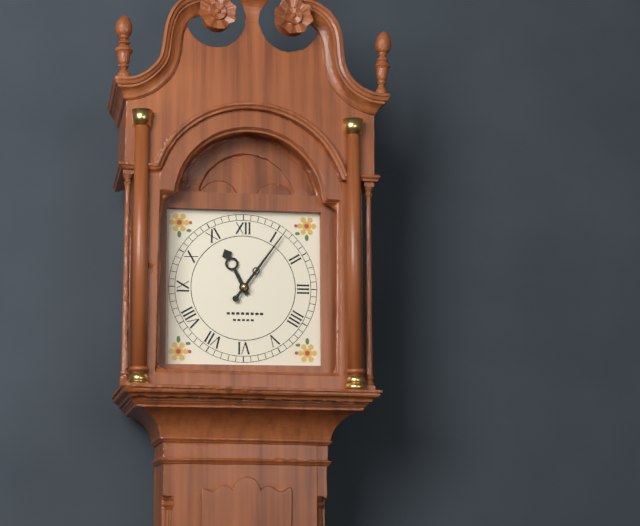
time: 11:06
